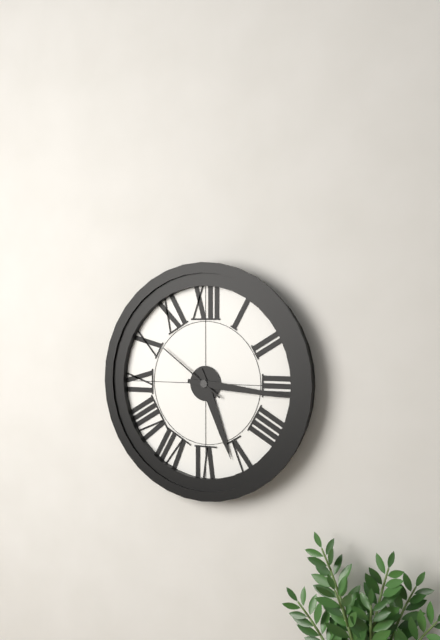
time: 5:16:51
